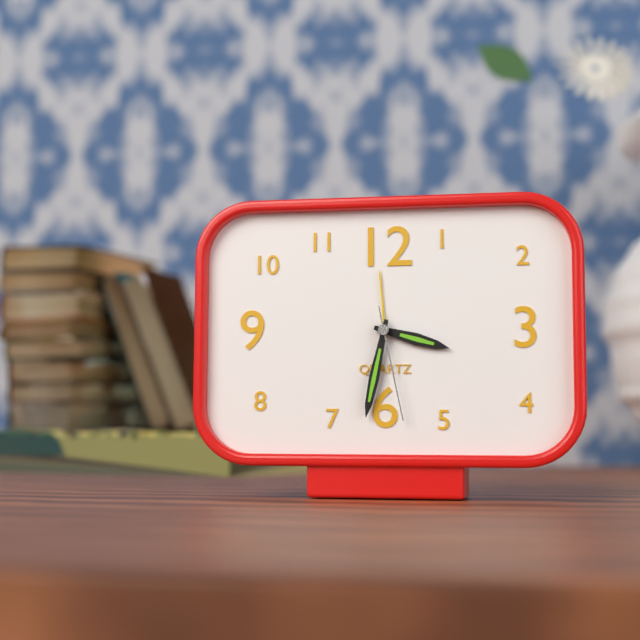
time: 3:32:28
